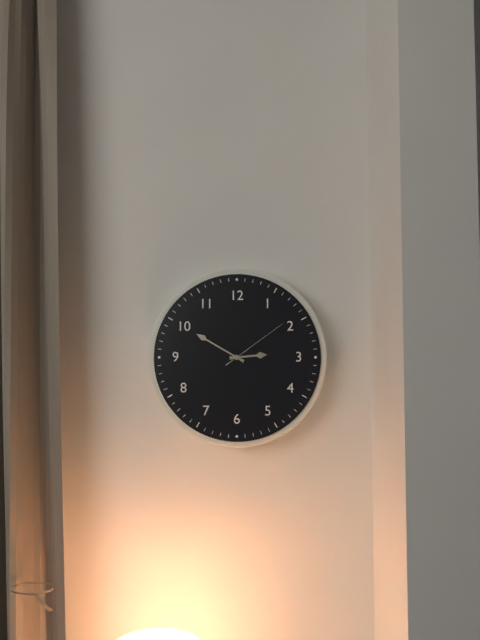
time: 2:50:09
